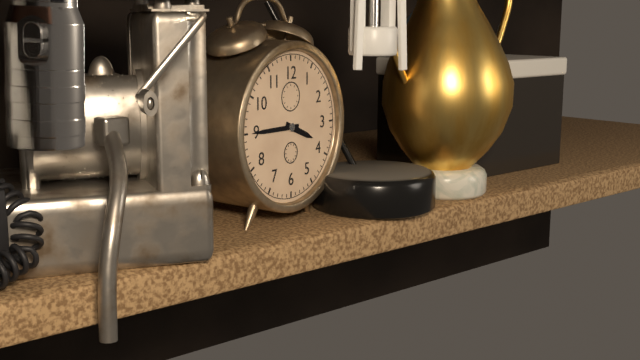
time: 3:45
